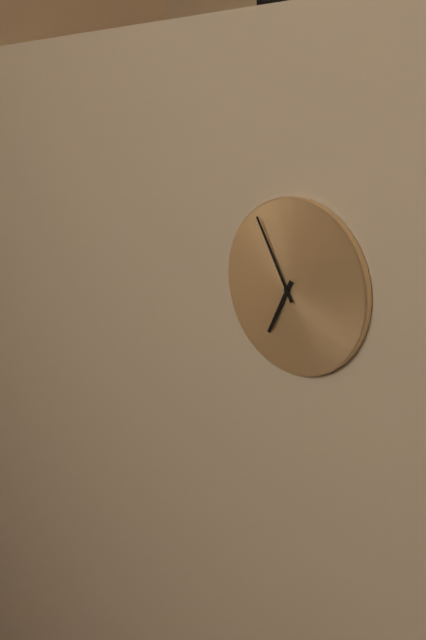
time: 6:55
